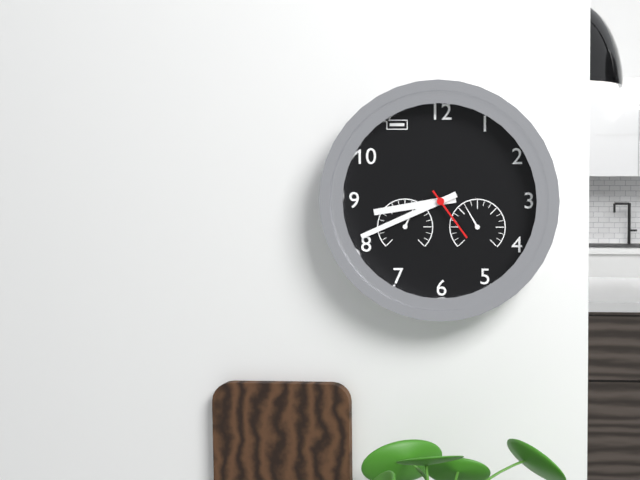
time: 8:41:24
